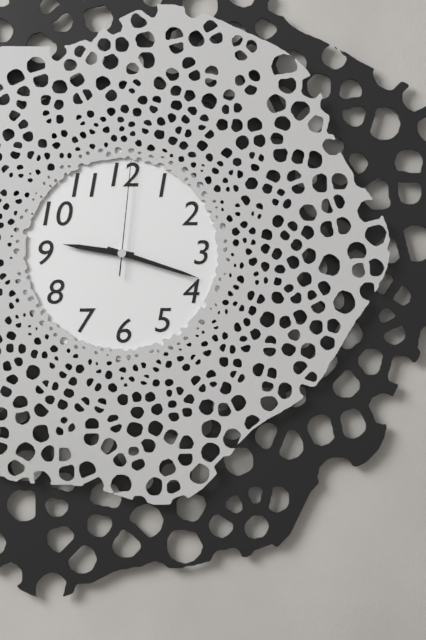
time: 9:18:01
